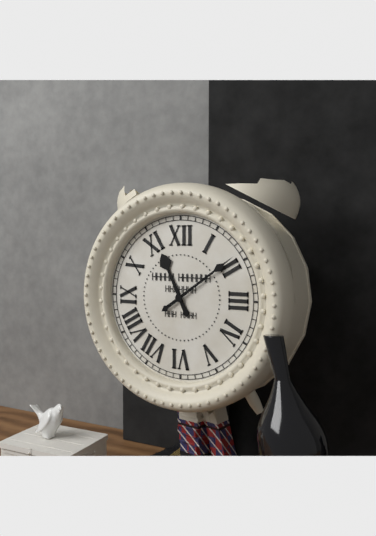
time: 11:09
